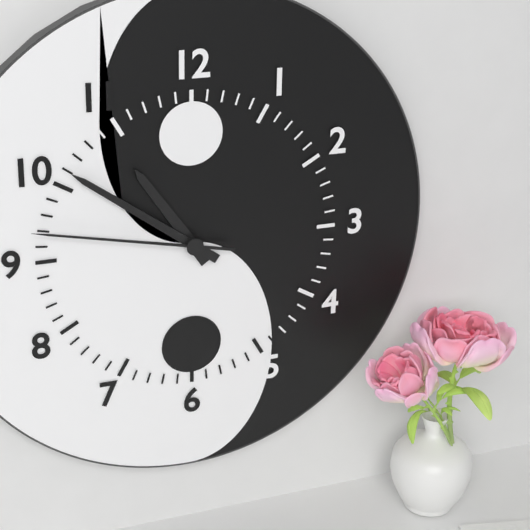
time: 10:51:47
